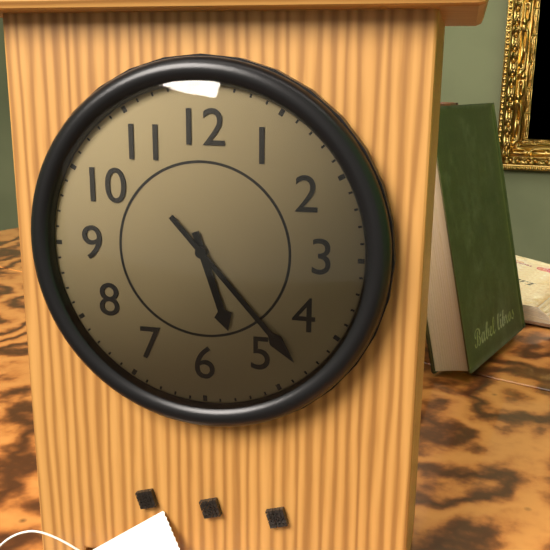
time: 5:23
